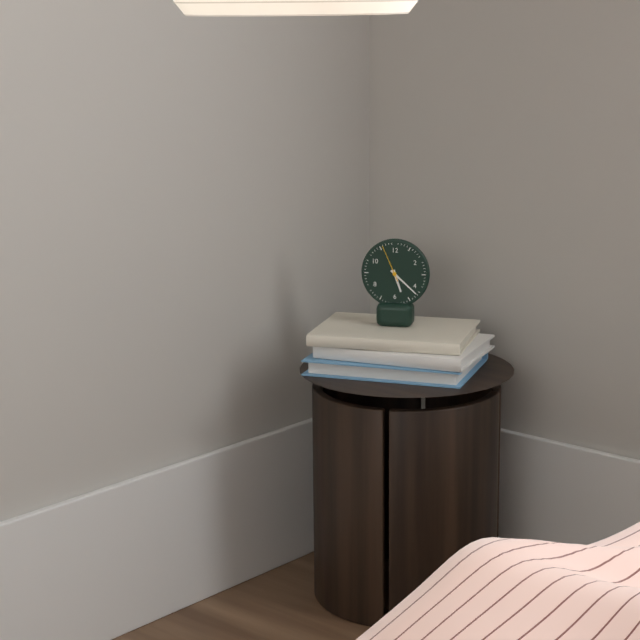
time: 5:22
